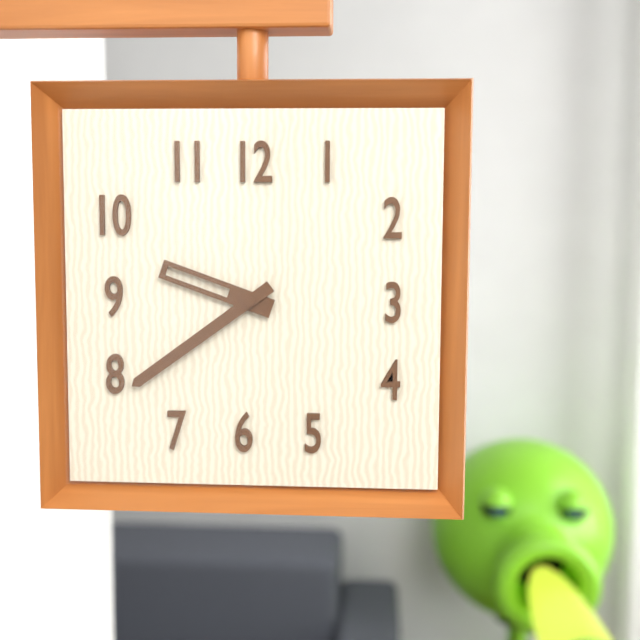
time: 9:39
